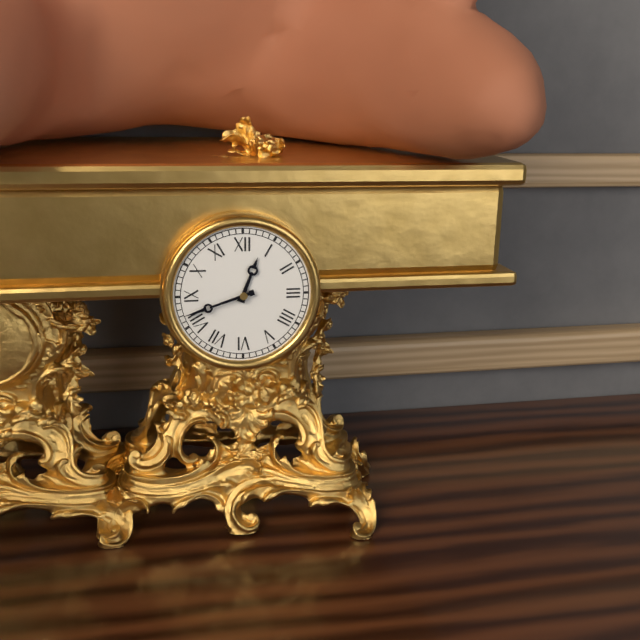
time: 12:42
